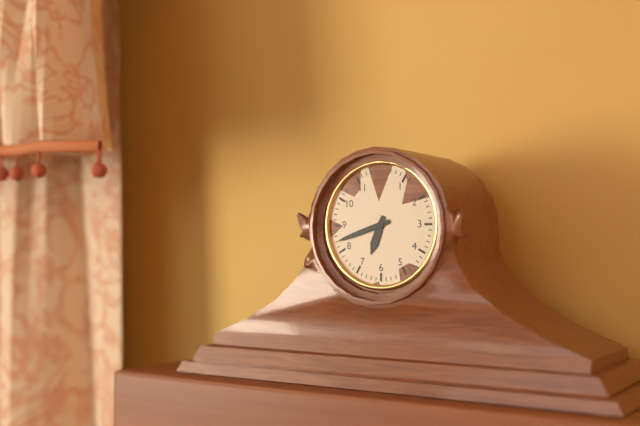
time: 6:42
